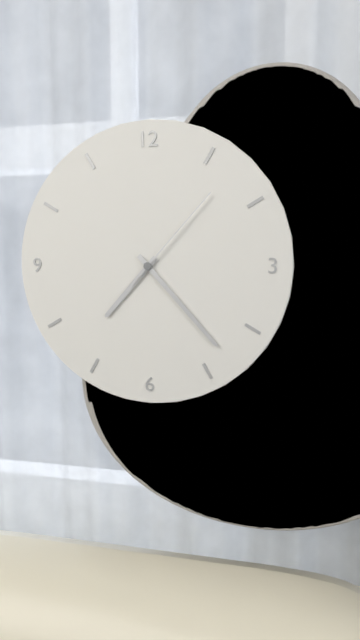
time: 7:23:07
